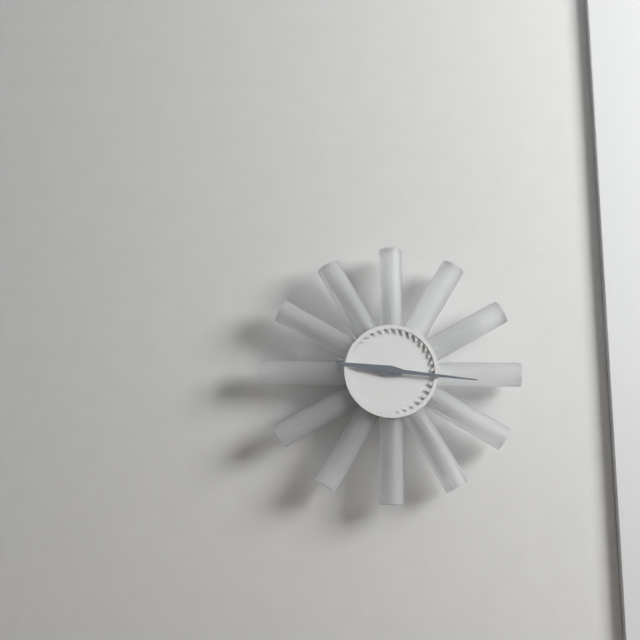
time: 9:16
